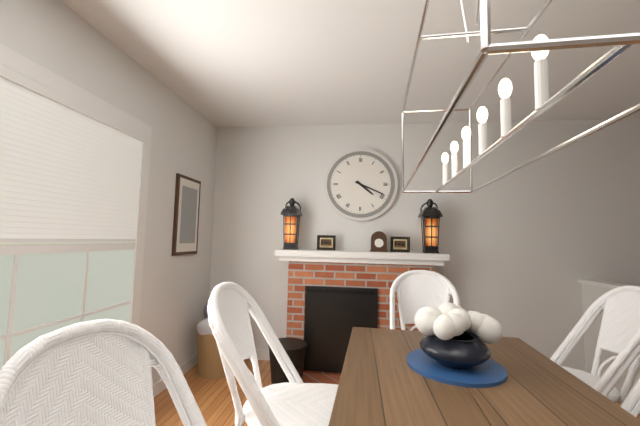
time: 4:19
